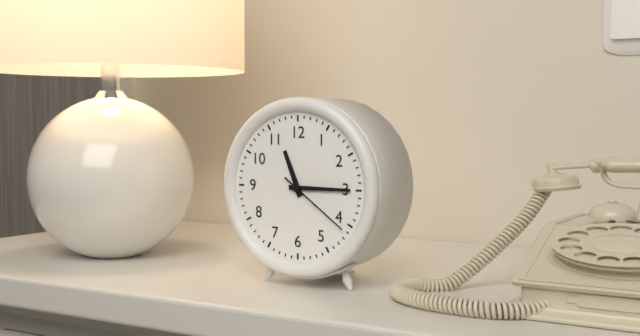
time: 11:15:21
